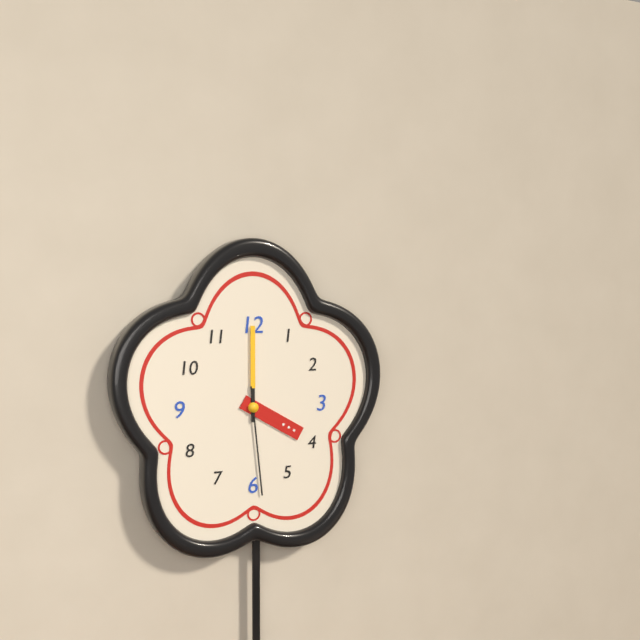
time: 4:00:29
